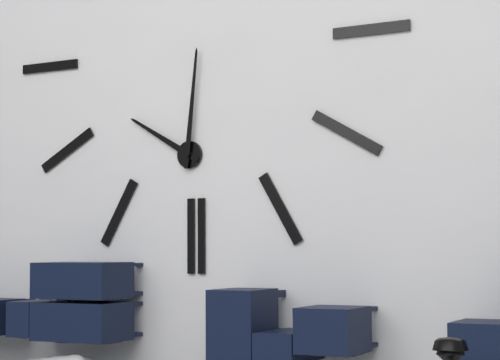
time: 10:01
